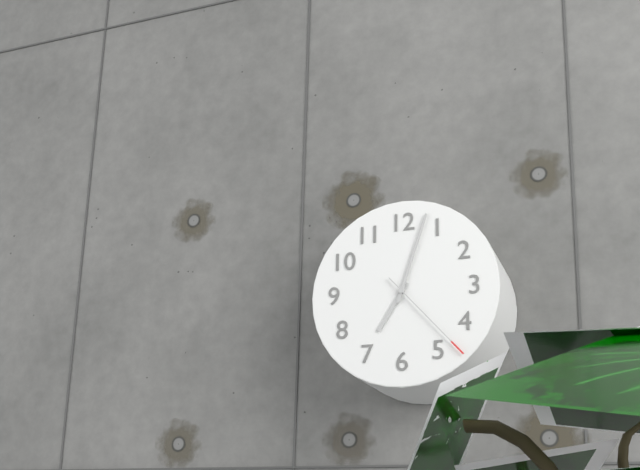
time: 7:03:23
